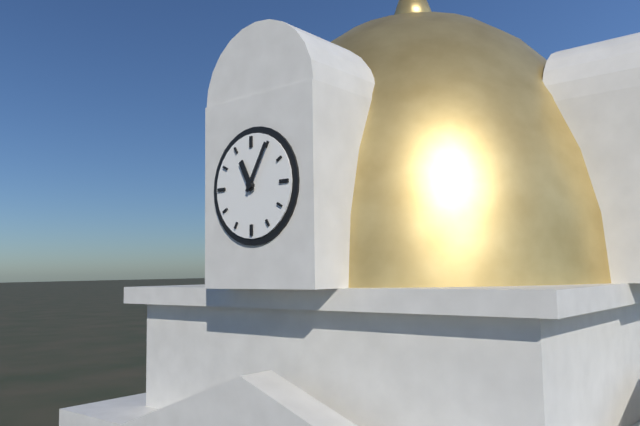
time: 11:05
